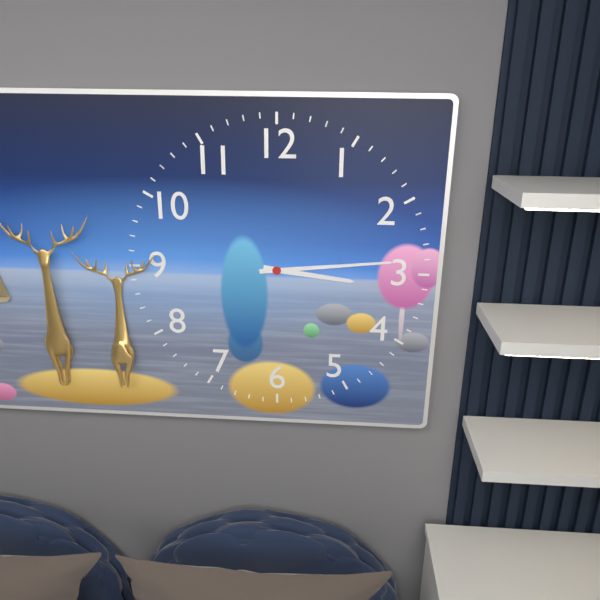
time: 3:14
